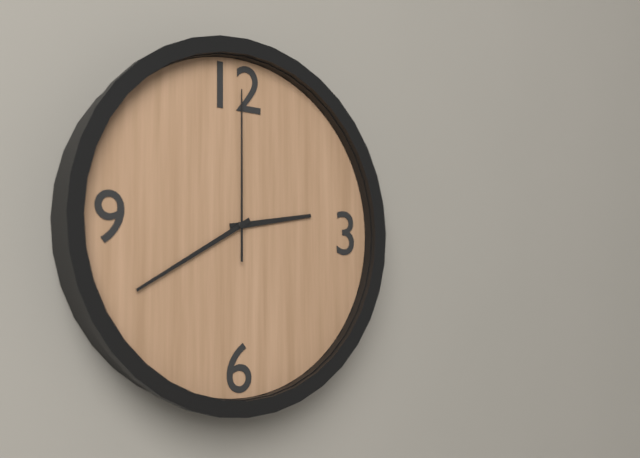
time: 2:40:00
